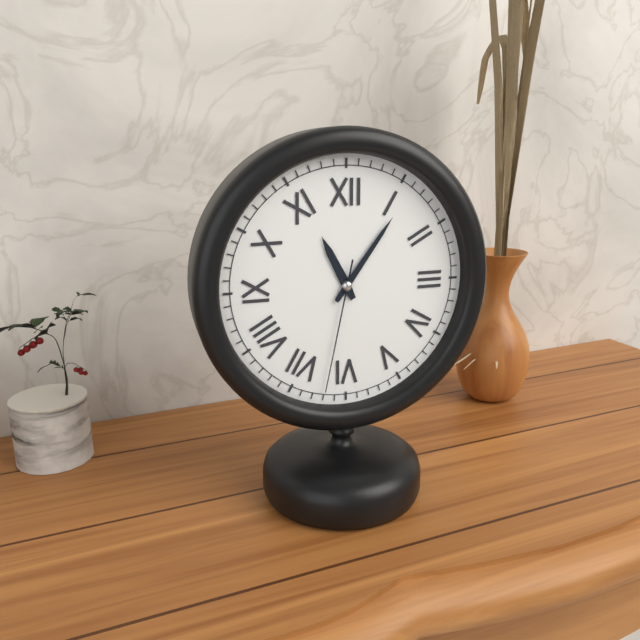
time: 11:06:32
